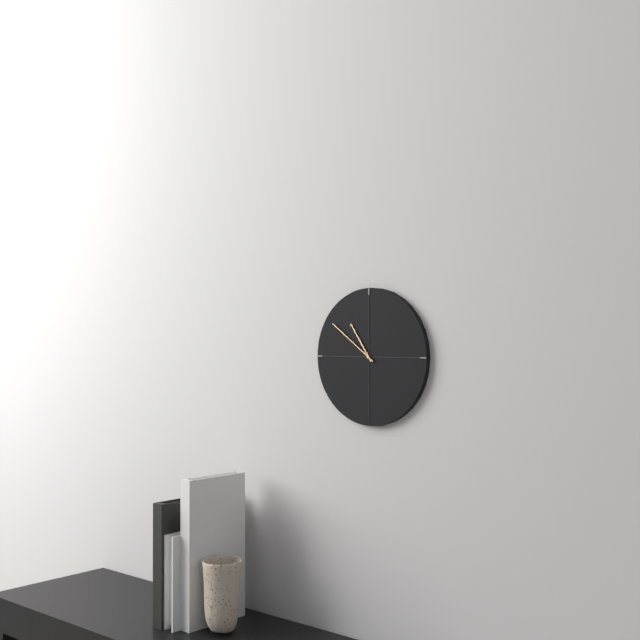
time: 10:51
